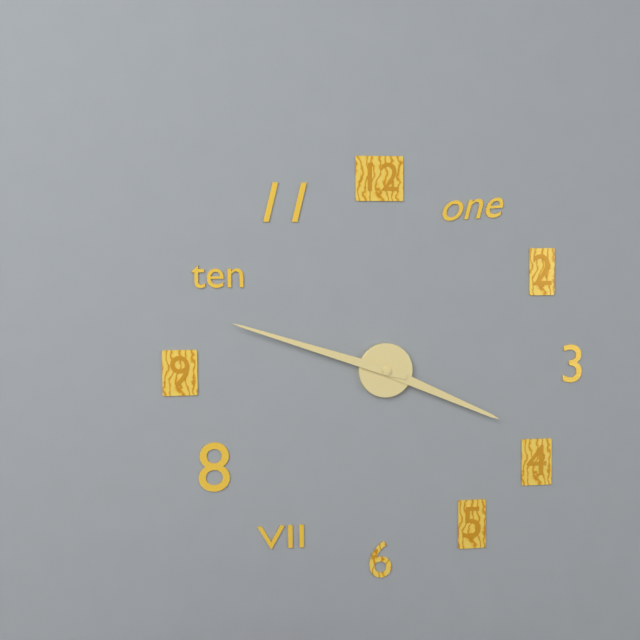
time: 3:48
